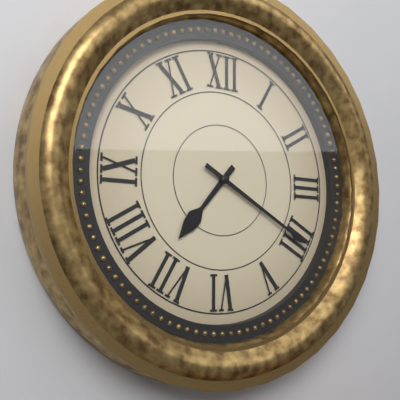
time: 7:20
